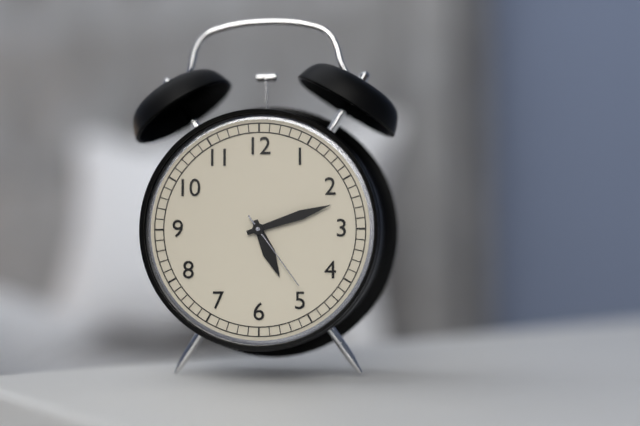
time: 5:12:24
